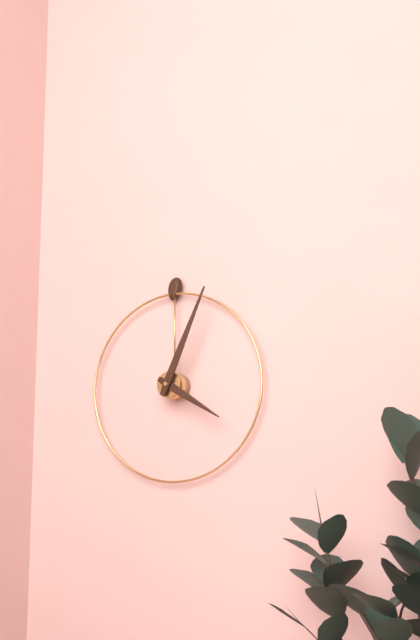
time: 4:04
